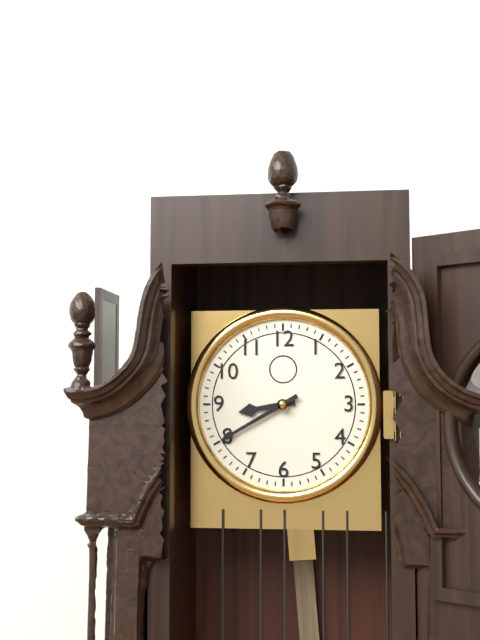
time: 8:40
